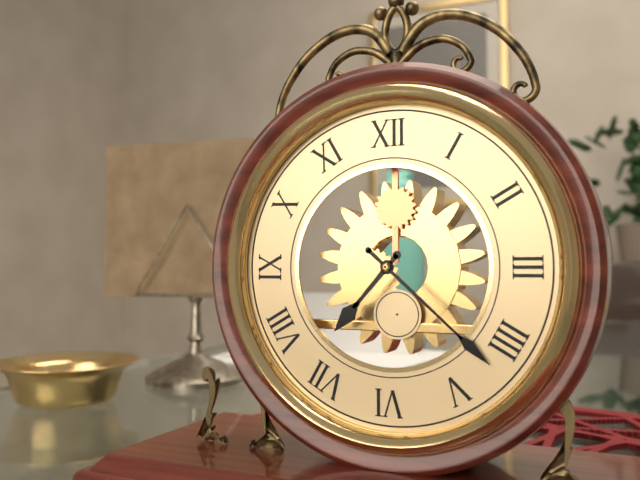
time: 7:22
